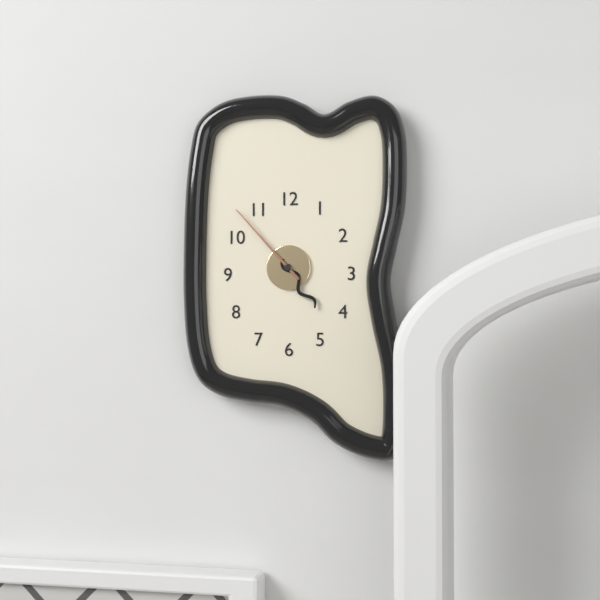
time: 4:53
